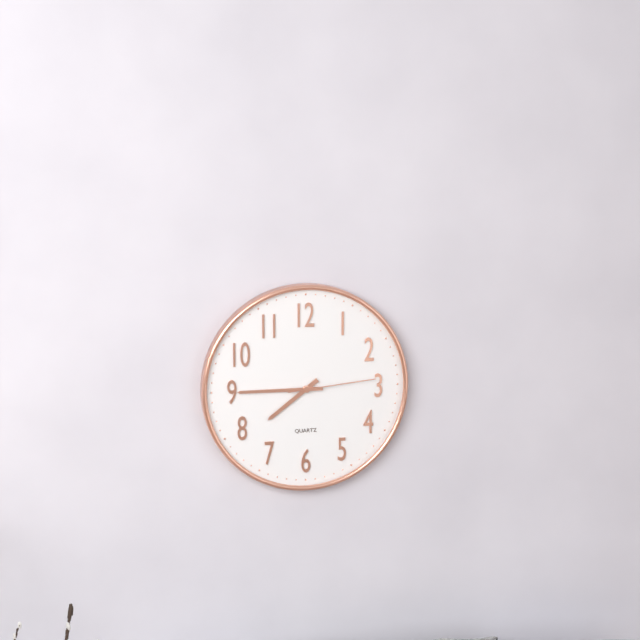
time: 7:45:14
